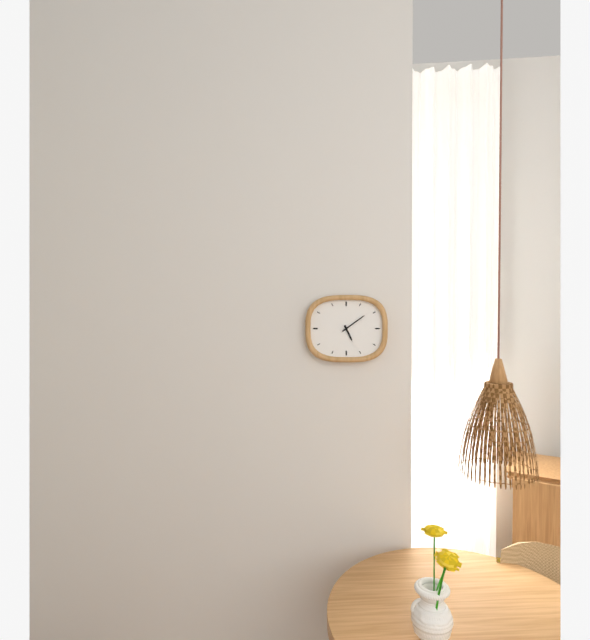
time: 5:09
